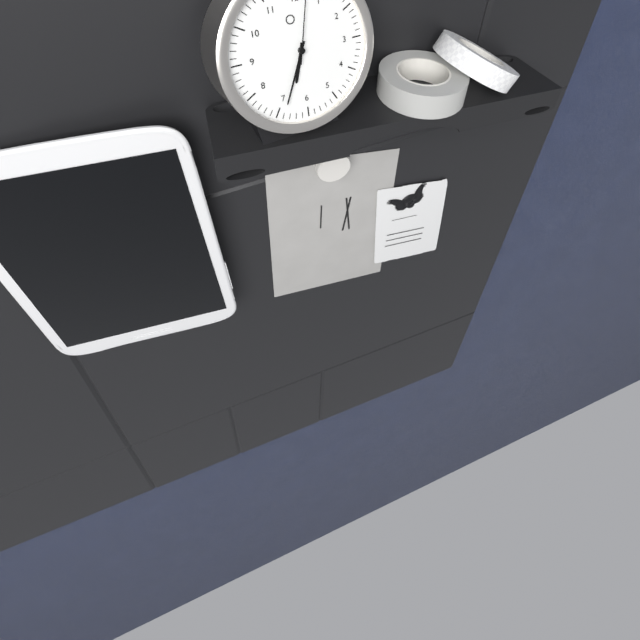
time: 6:34
